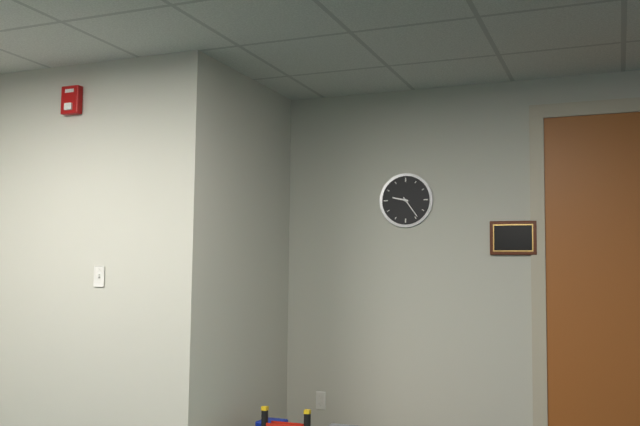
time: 9:24
